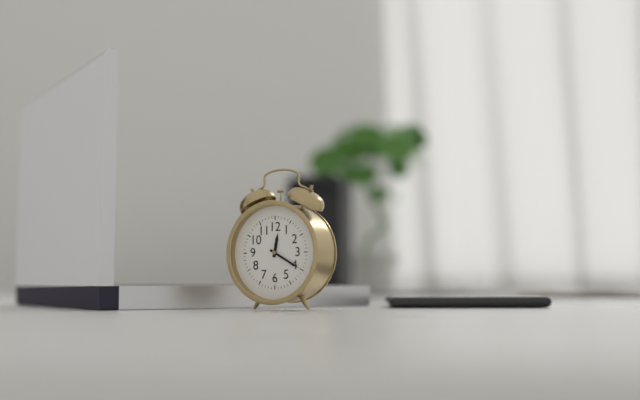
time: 12:20
